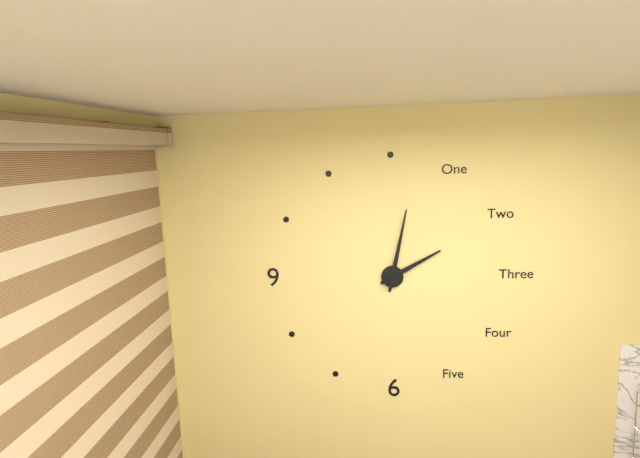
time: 2:02
